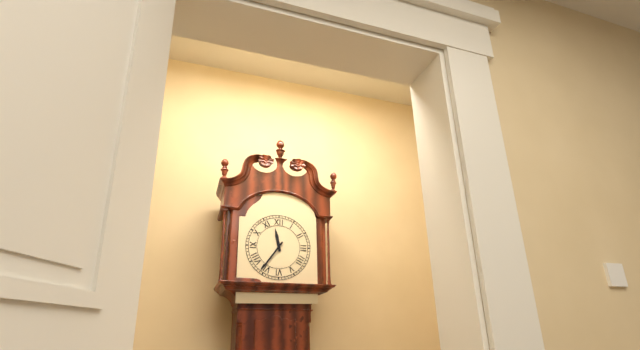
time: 11:36
